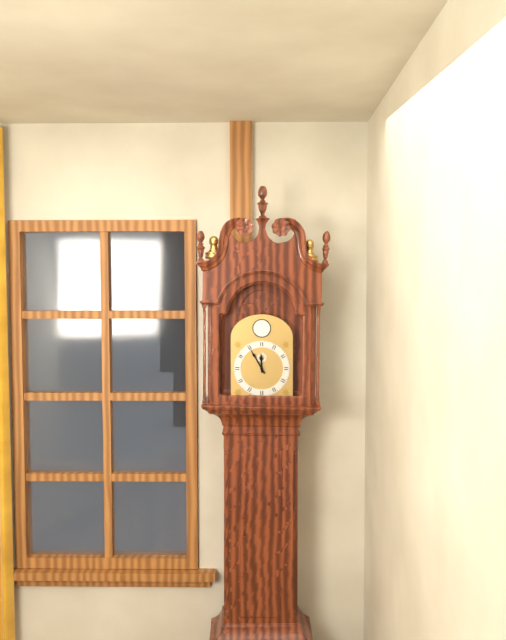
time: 11:55
